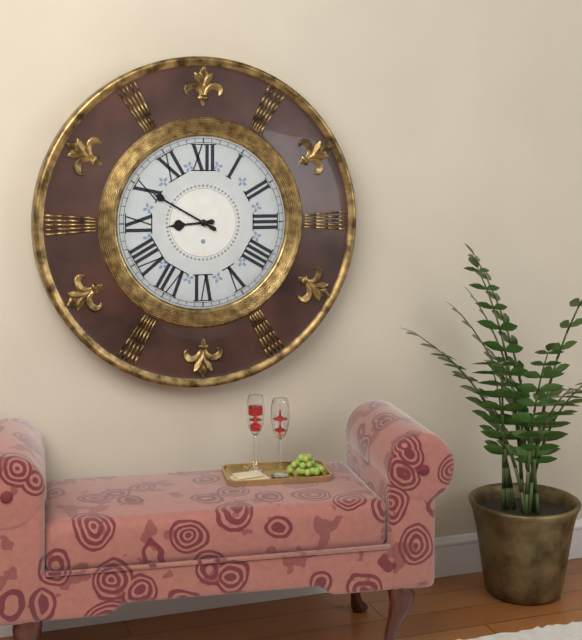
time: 8:50
